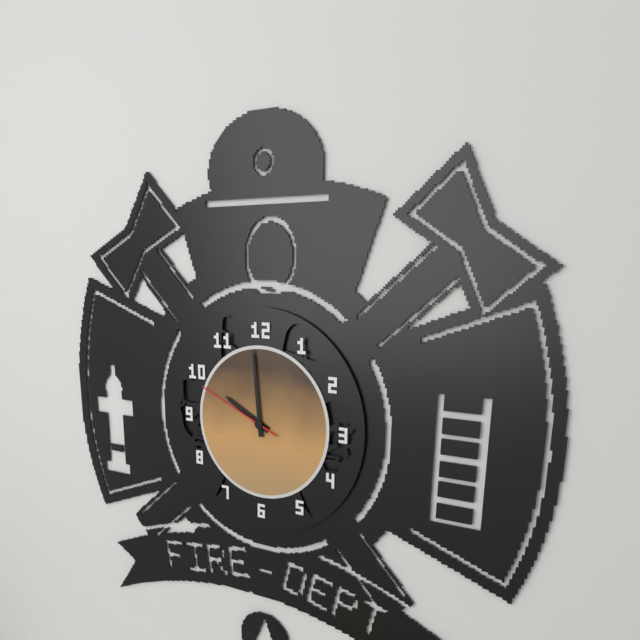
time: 9:59:49
